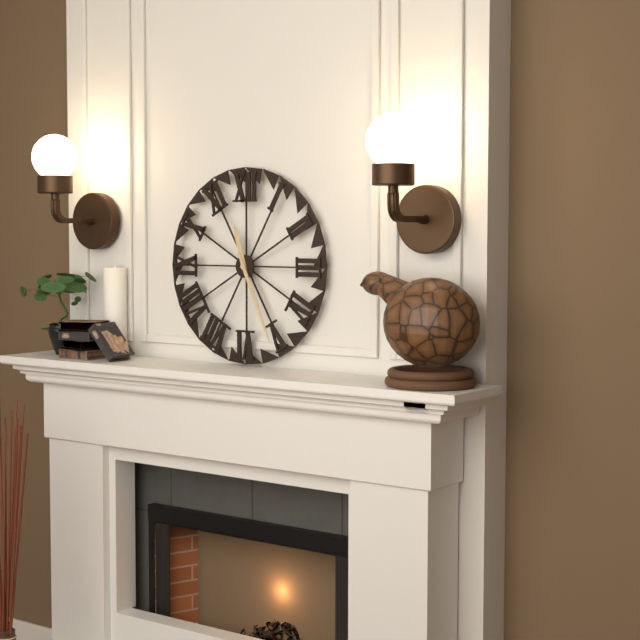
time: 11:26
